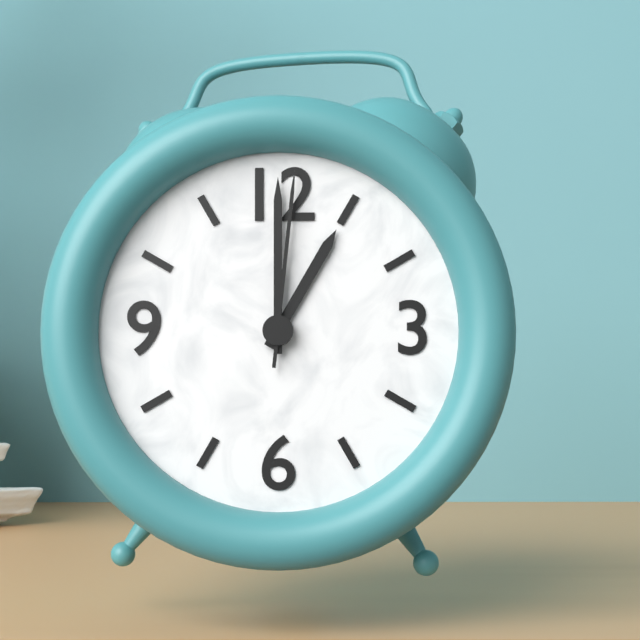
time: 1:00:01
